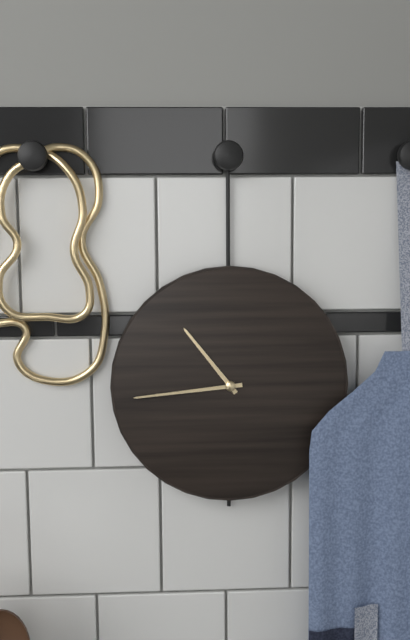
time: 10:44
